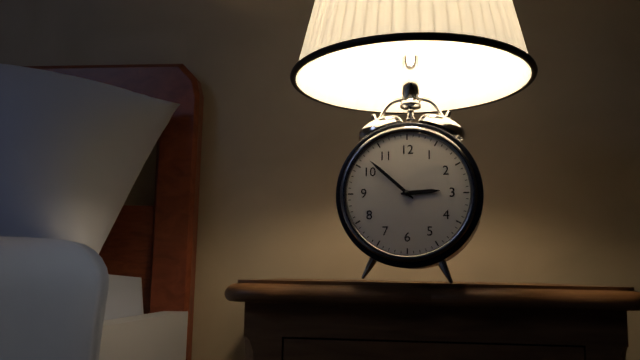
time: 2:52
